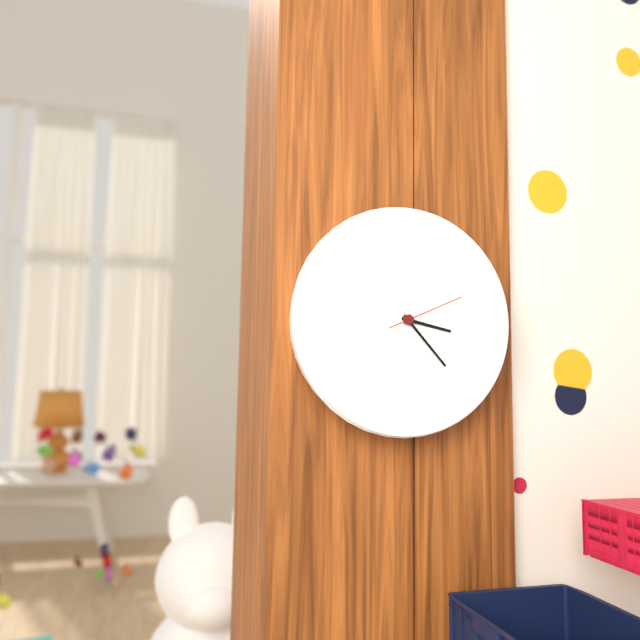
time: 3:23:11
